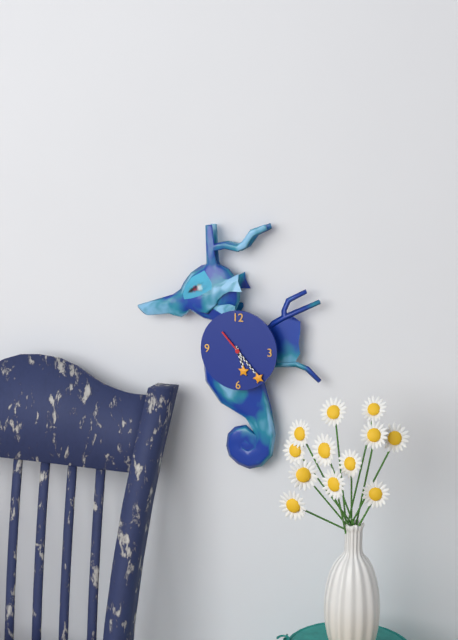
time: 5:23
